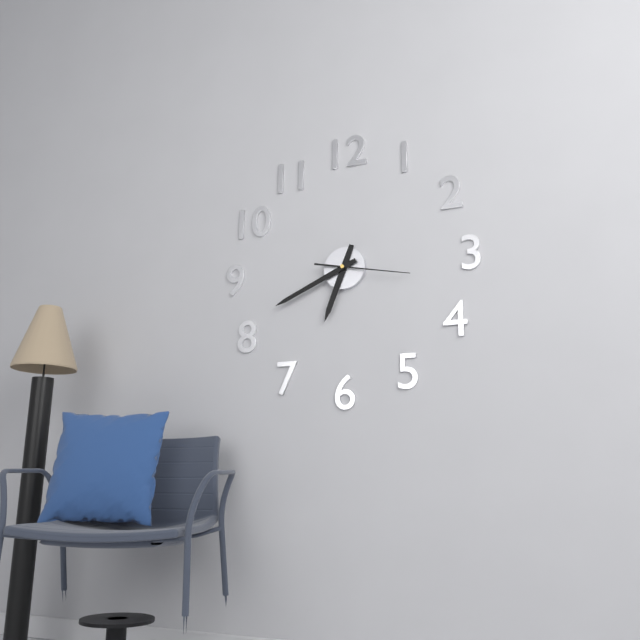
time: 6:41:17
